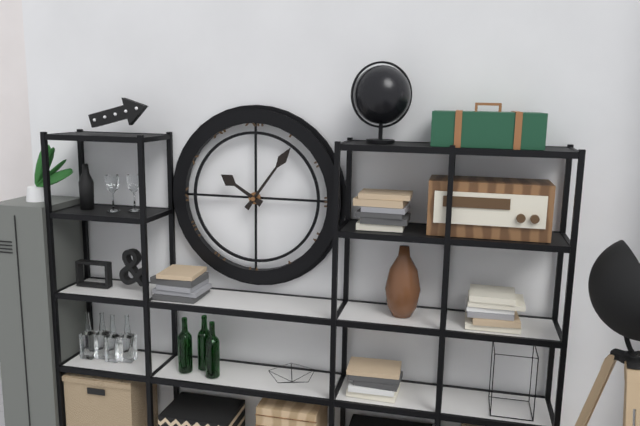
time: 10:06
